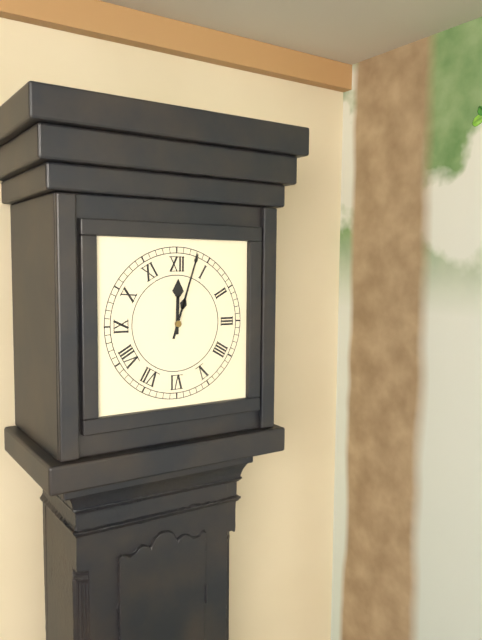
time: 12:03
